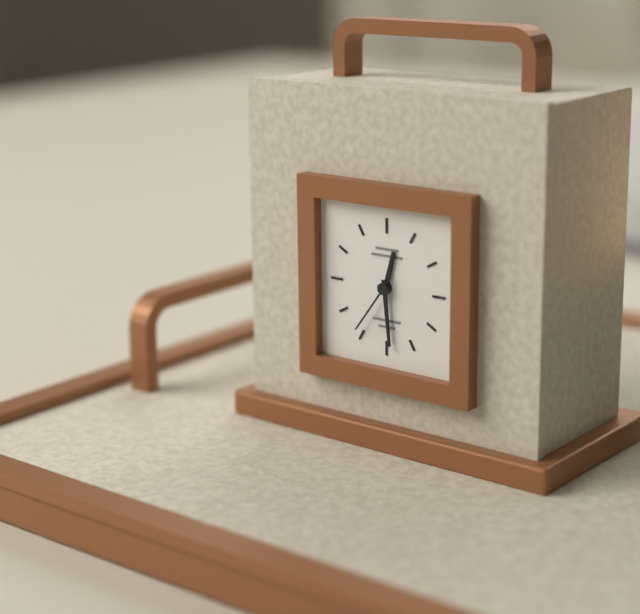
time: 12:29:36
